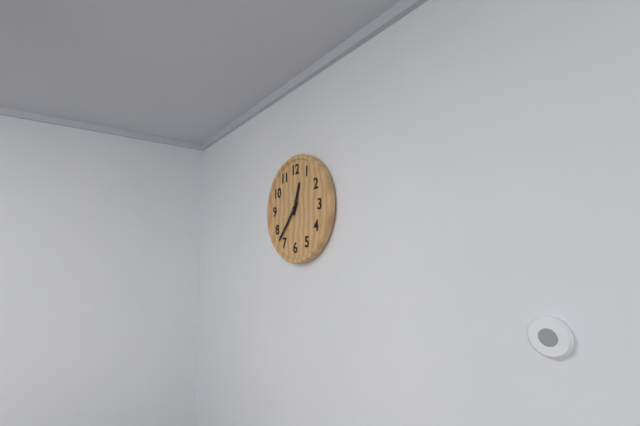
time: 12:37
